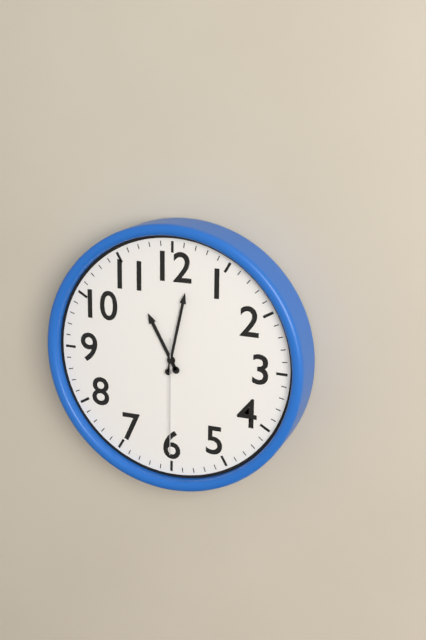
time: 11:02:30
